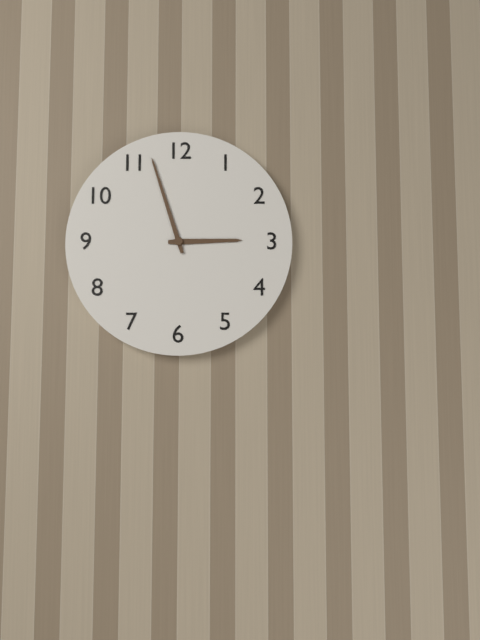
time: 2:57
